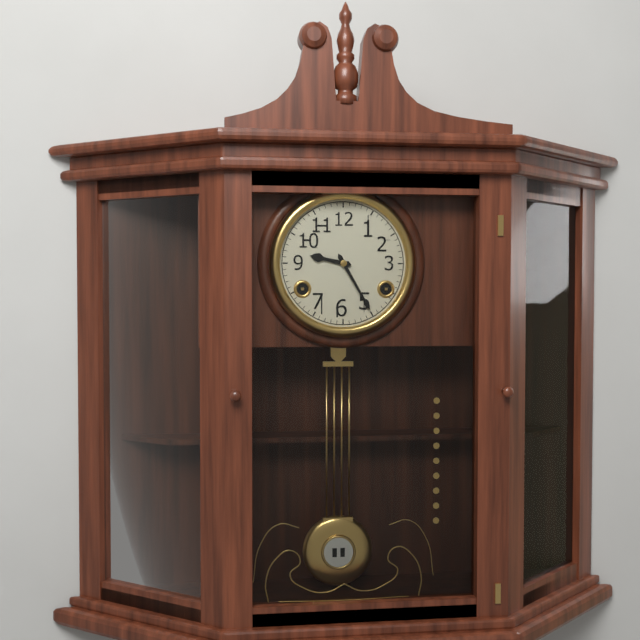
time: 9:25
